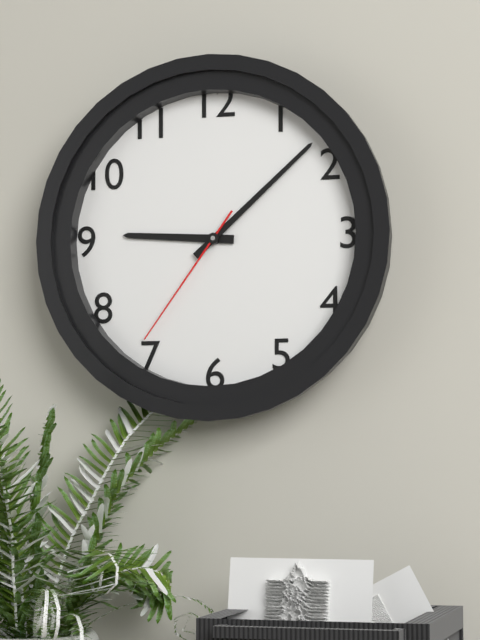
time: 9:08:36
